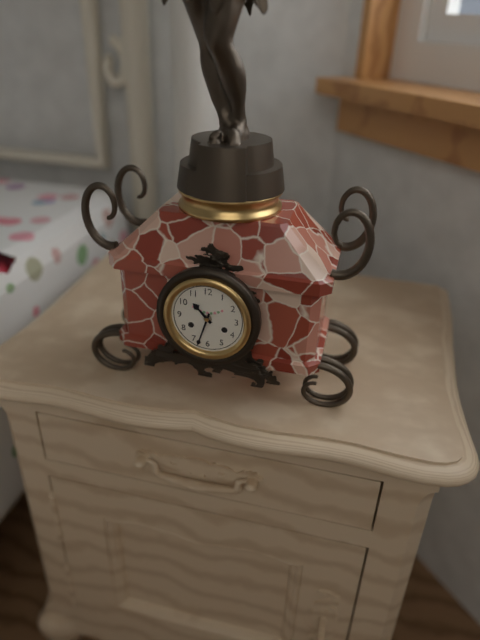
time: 10:33
